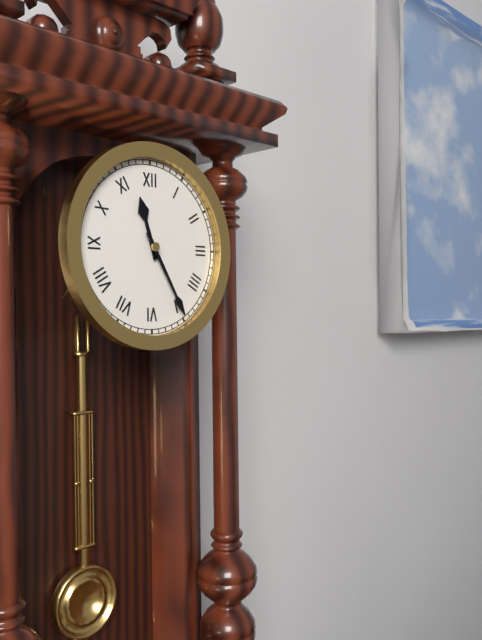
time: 11:25
